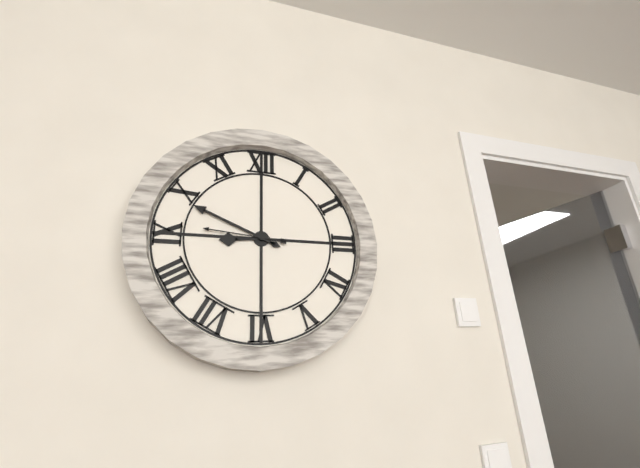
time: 8:49:46
